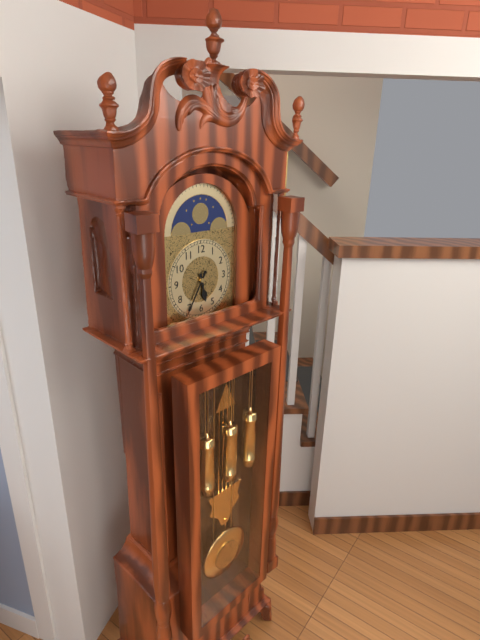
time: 5:35
